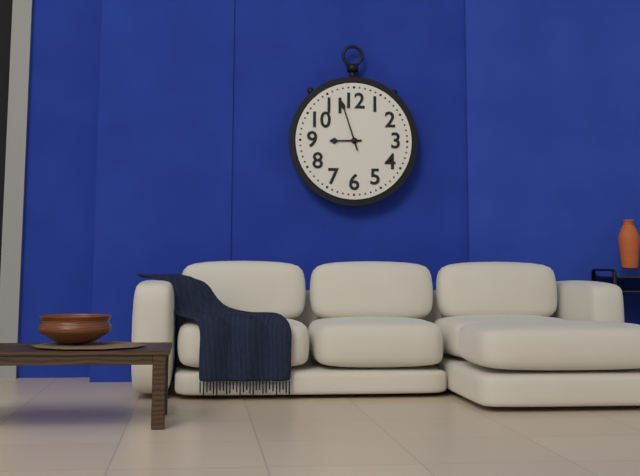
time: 8:57
